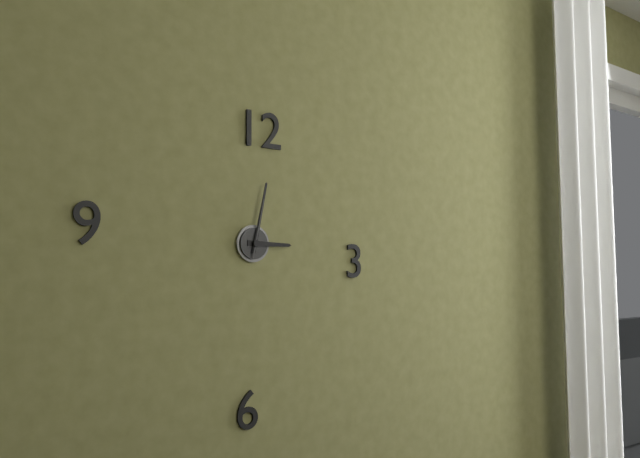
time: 3:02:02
